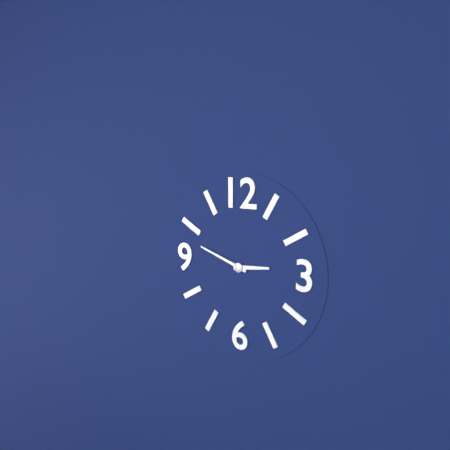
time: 2:48
